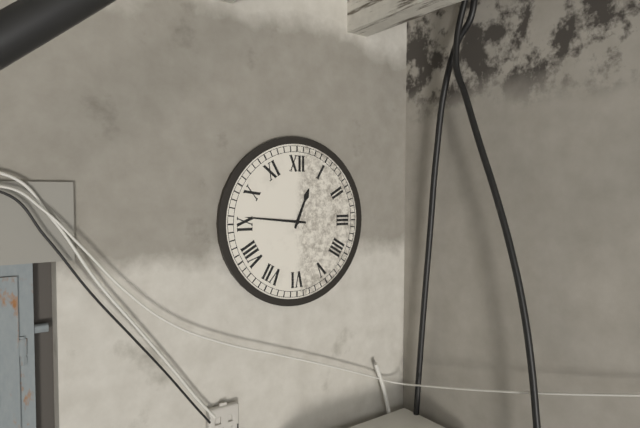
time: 12:46
